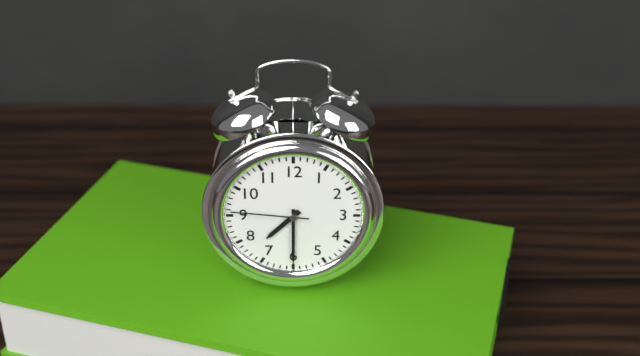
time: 7:30:46
